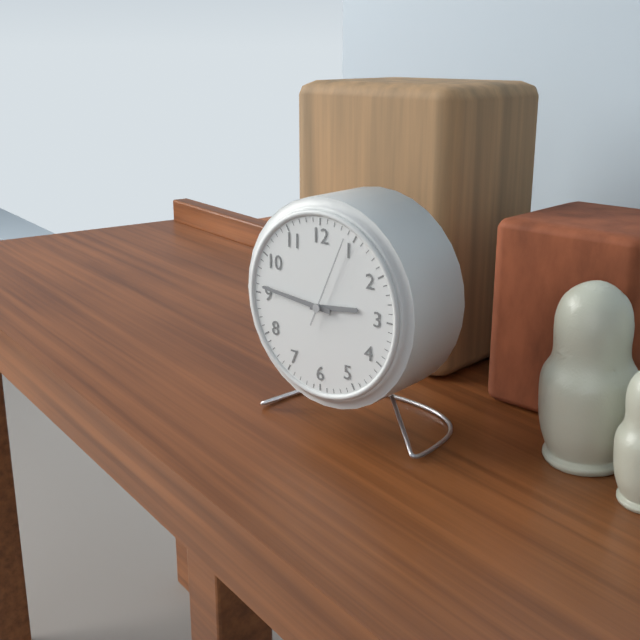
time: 2:46:04
